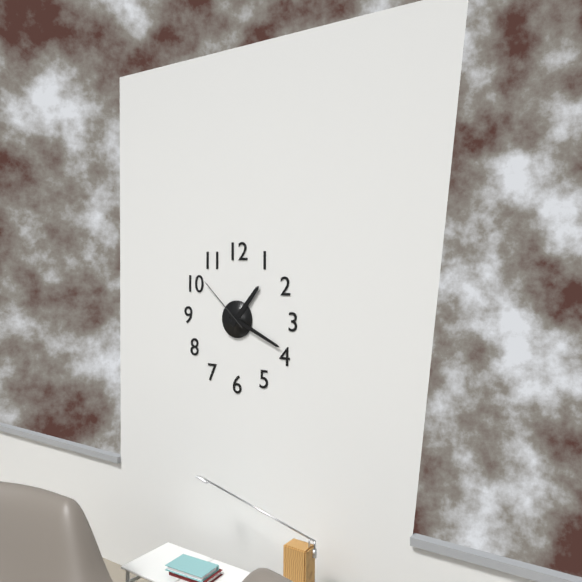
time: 1:19:52
